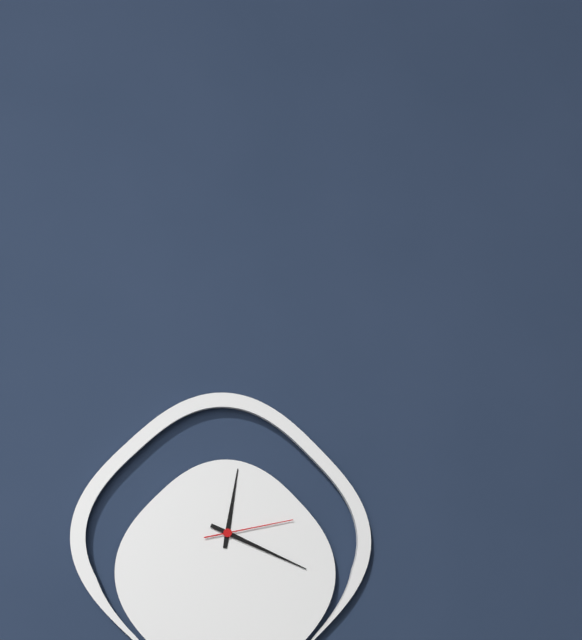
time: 12:19:13
